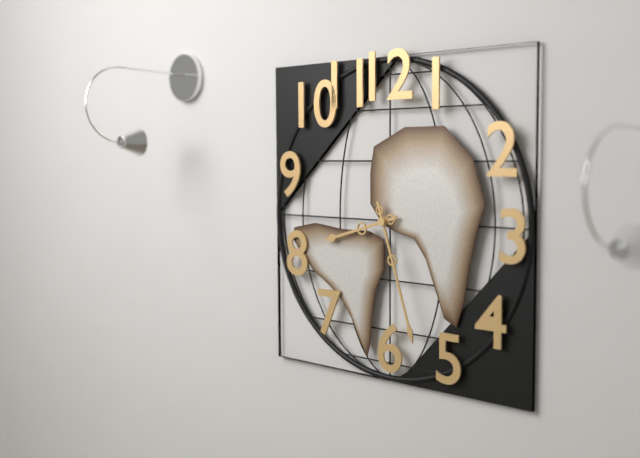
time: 8:27
